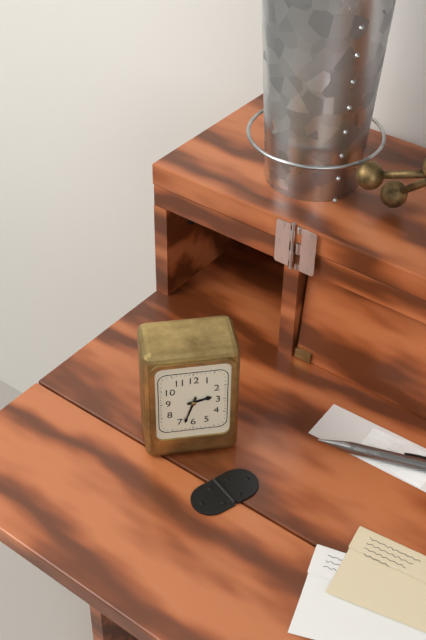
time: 2:33
